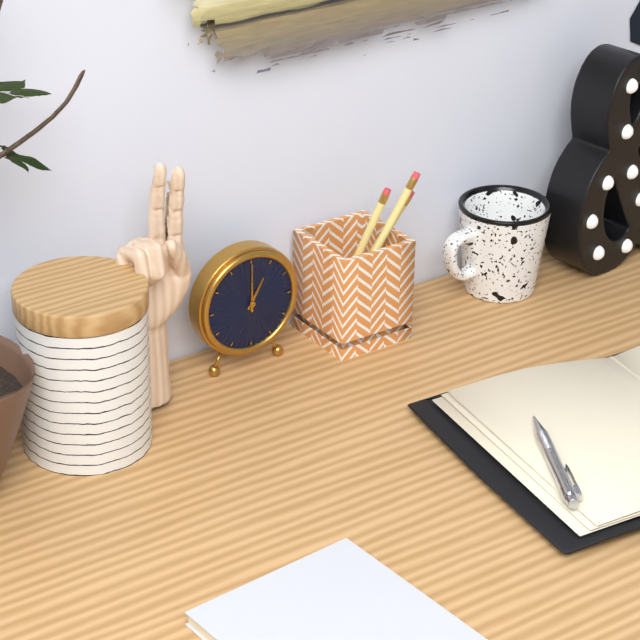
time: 1:00
